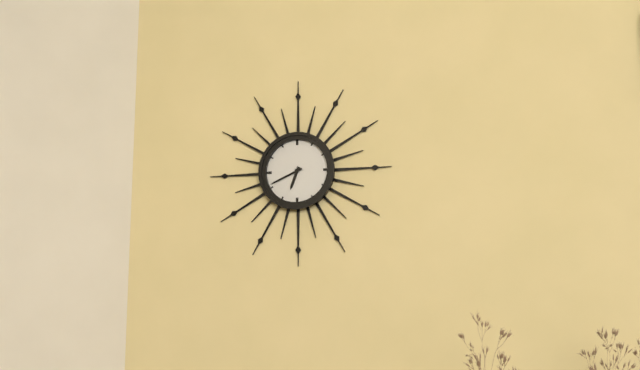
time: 6:41
